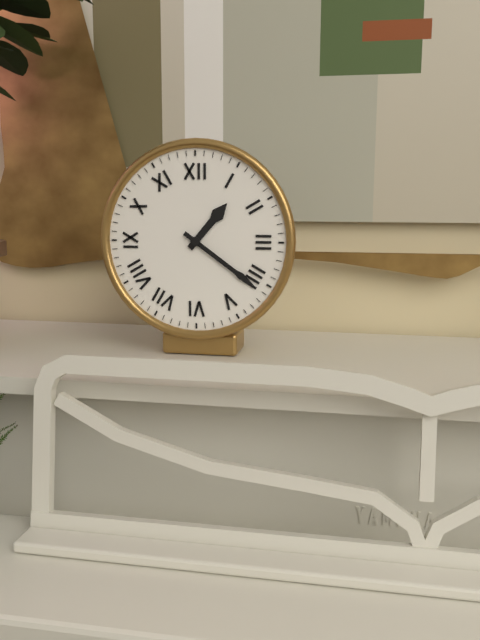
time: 1:21
